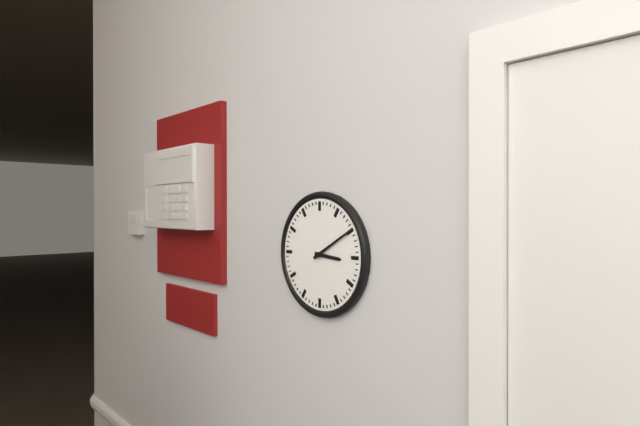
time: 3:10
